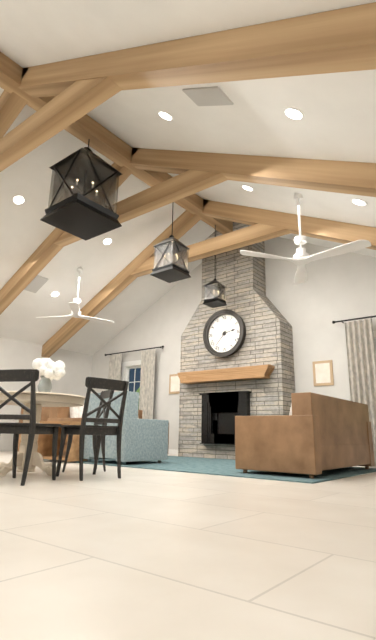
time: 2:37
